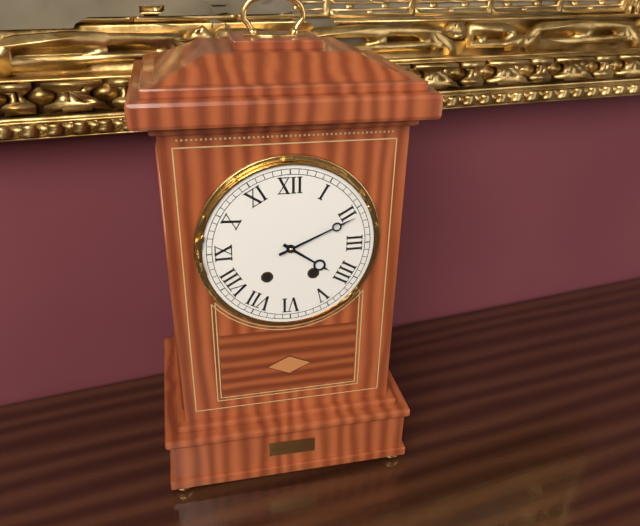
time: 4:11
